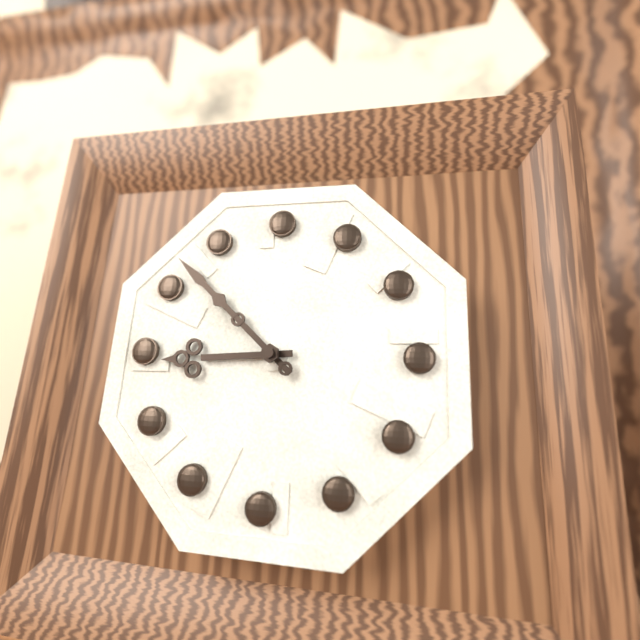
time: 8:52
